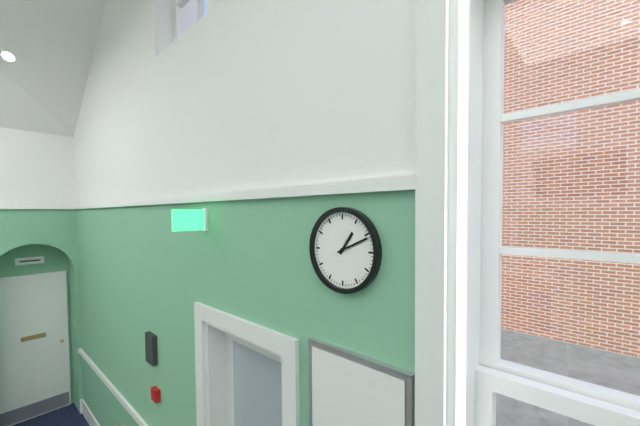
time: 1:11
